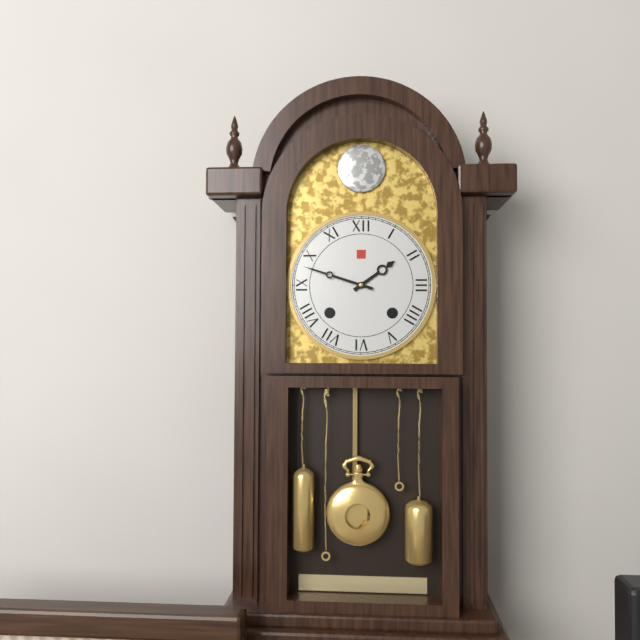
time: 1:48
